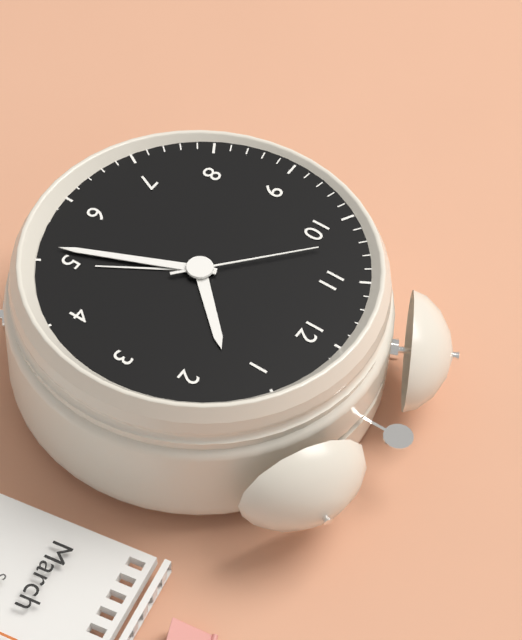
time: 1:26:52
